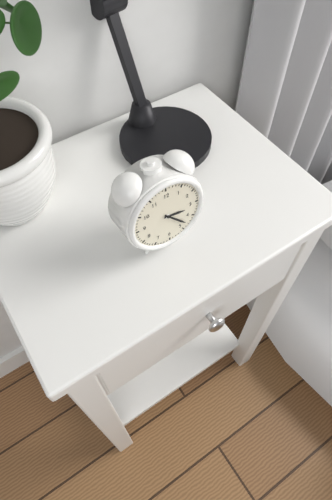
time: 3:23
